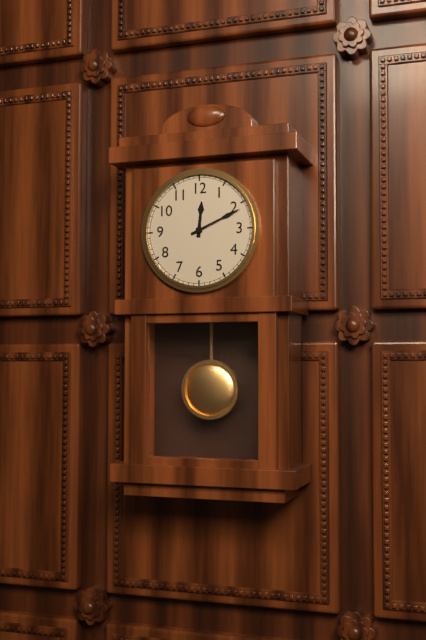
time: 12:11
